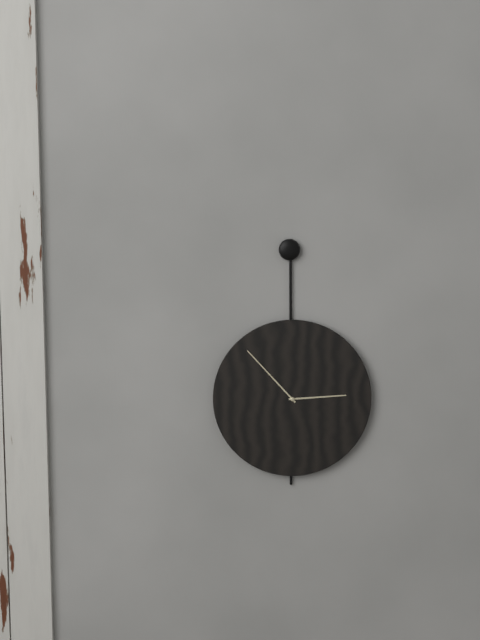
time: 2:53
